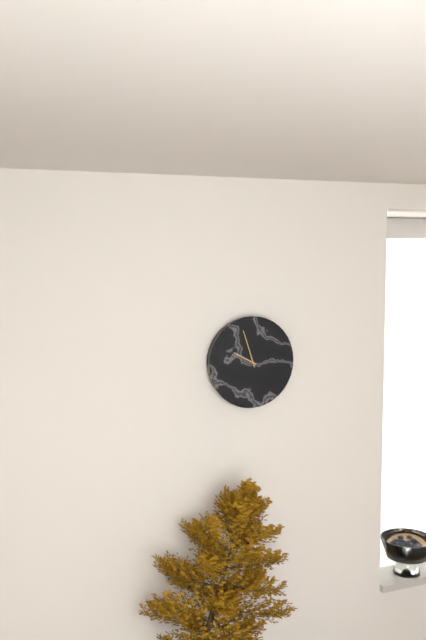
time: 9:57
